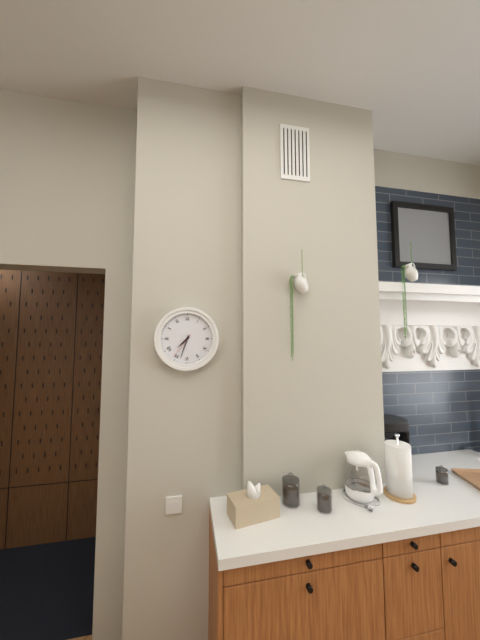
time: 7:33
